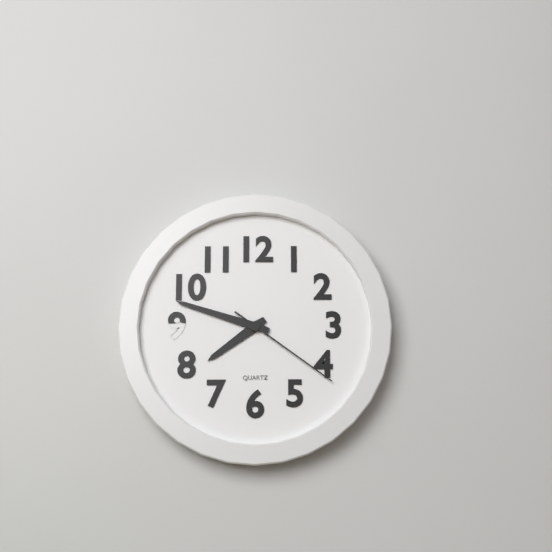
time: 7:48:21
